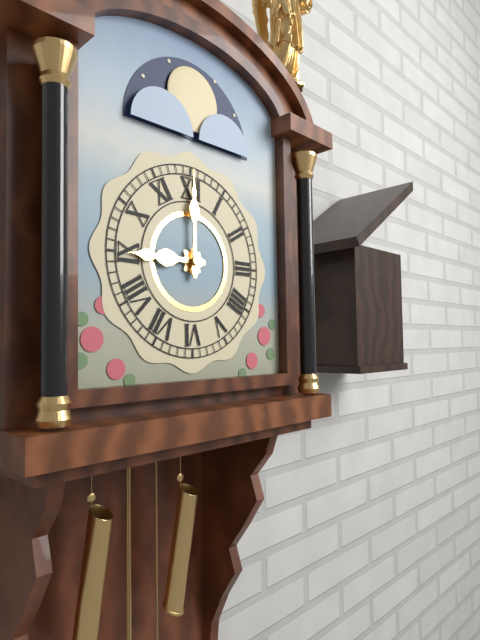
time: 9:00
